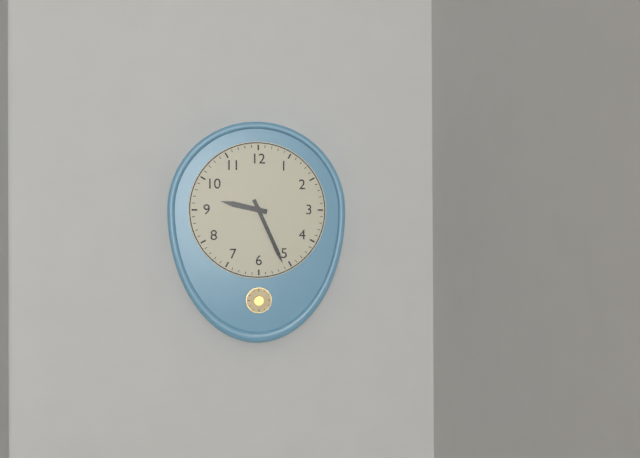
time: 9:26
